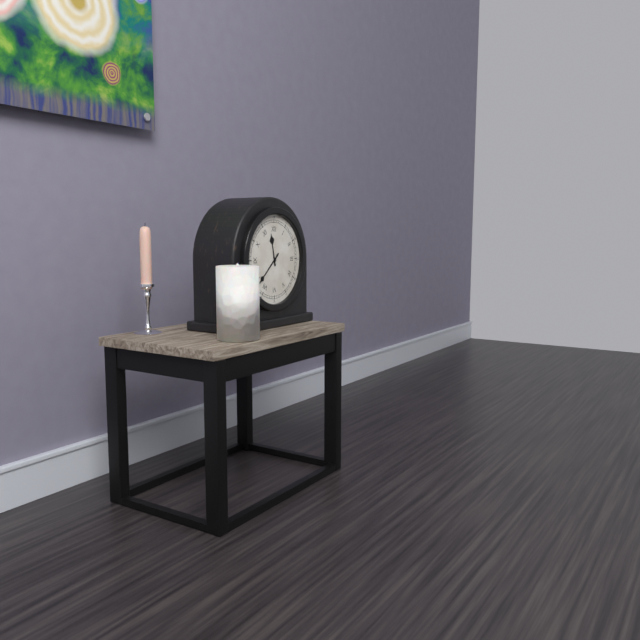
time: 11:38
